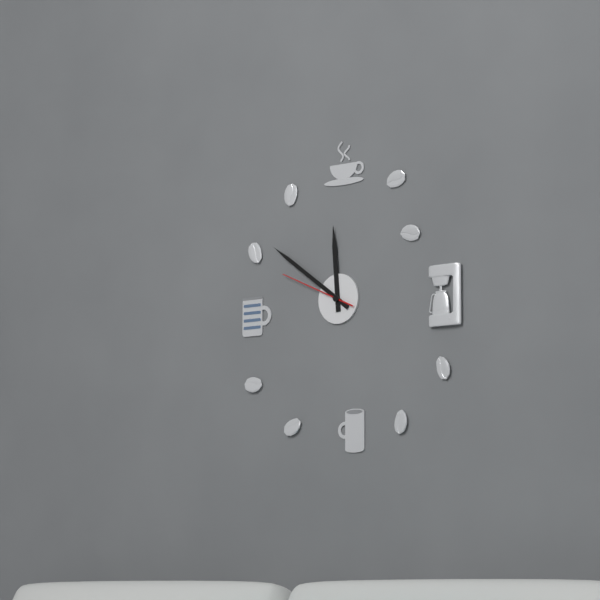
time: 11:51:49
